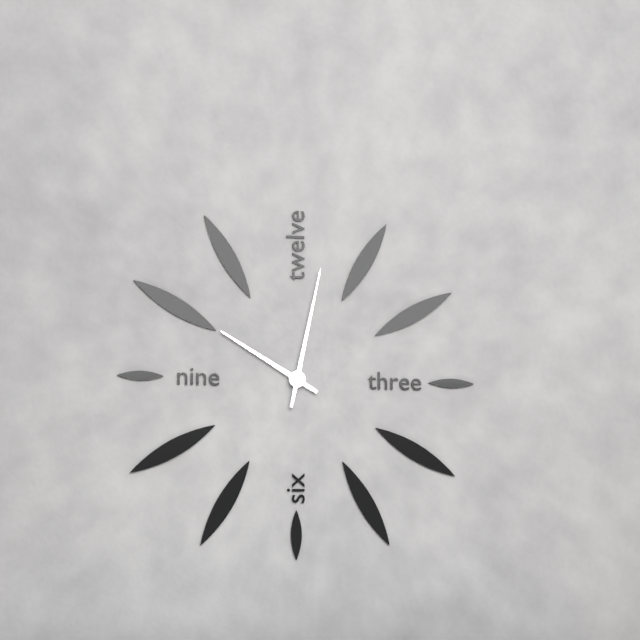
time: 10:02
